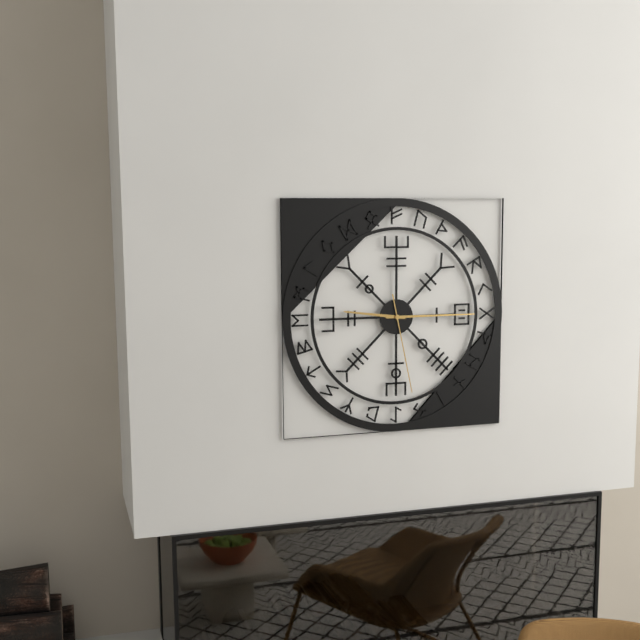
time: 9:15:28
